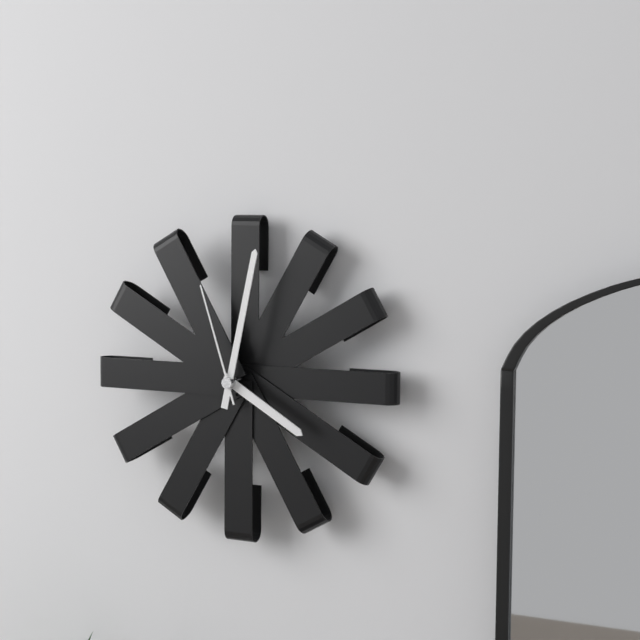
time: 4:02:57
